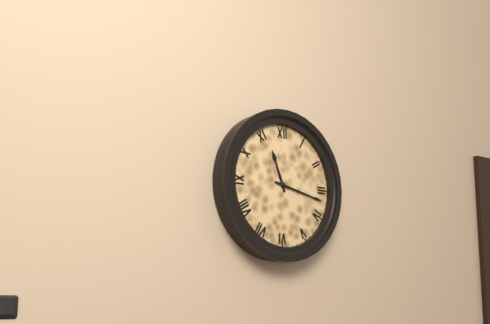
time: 11:17
